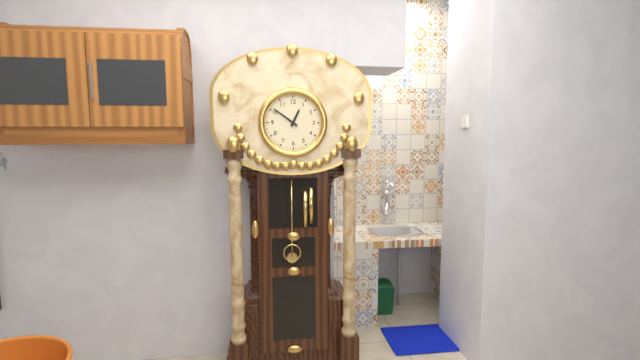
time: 12:51
